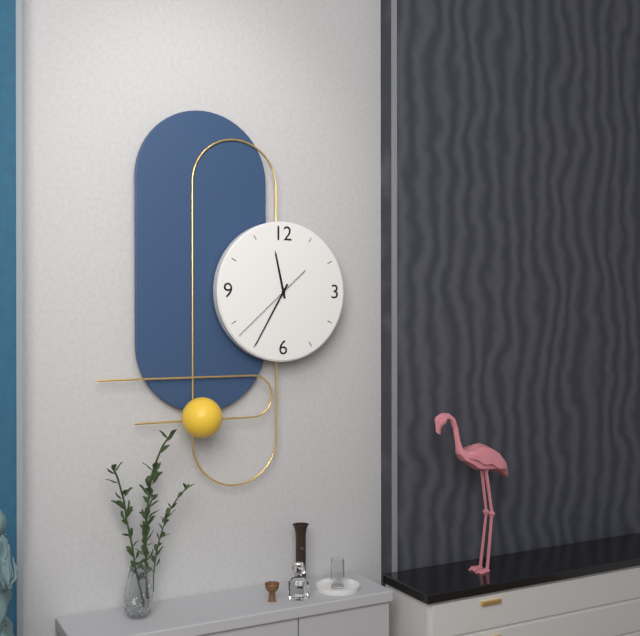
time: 11:35:38
